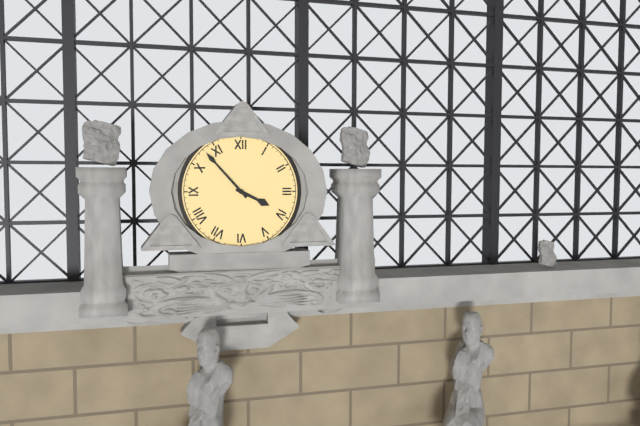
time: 3:53
